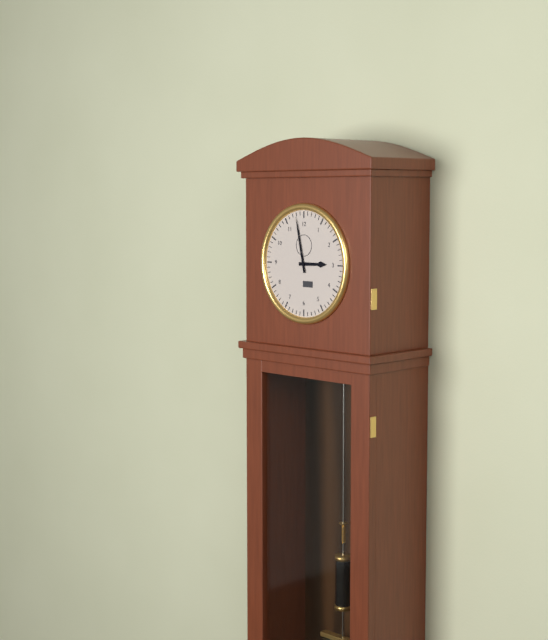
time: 2:58
